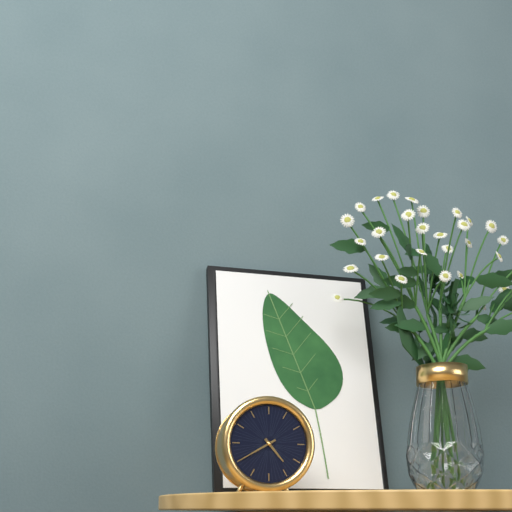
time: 4:40
